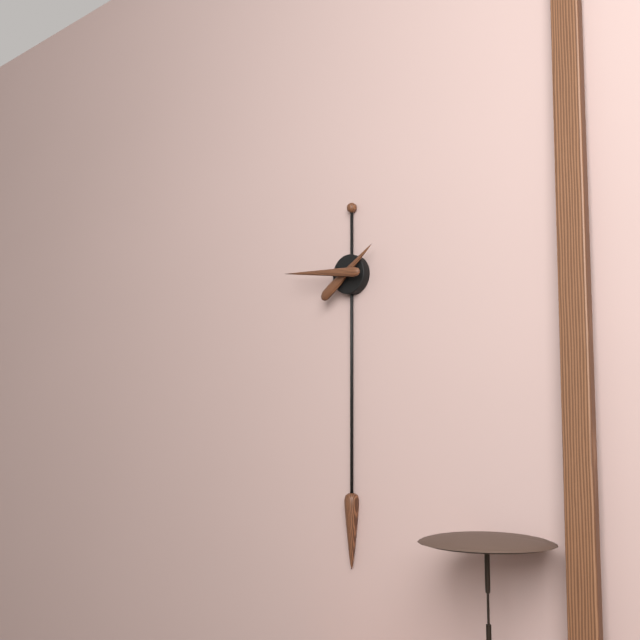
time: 1:46
